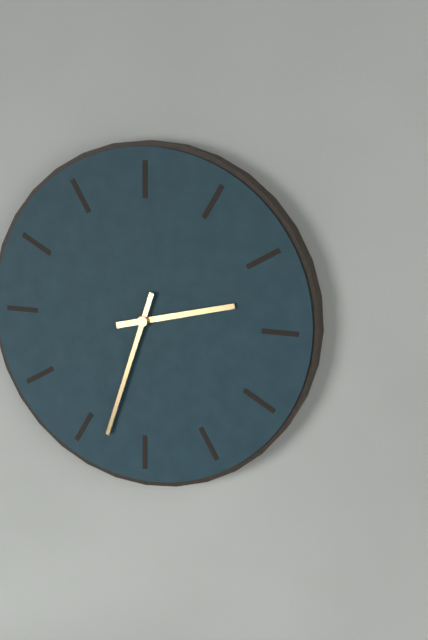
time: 2:33
